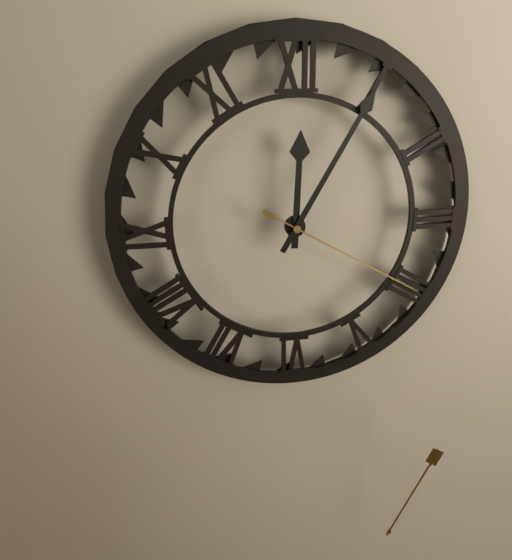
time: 12:05:20
